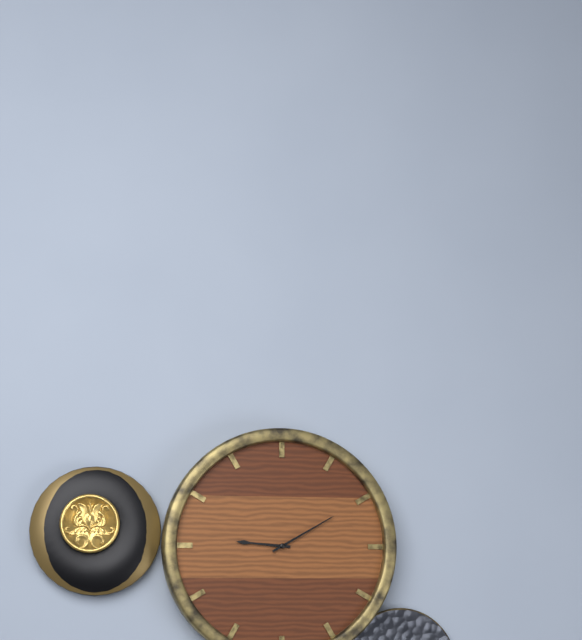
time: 9:10
